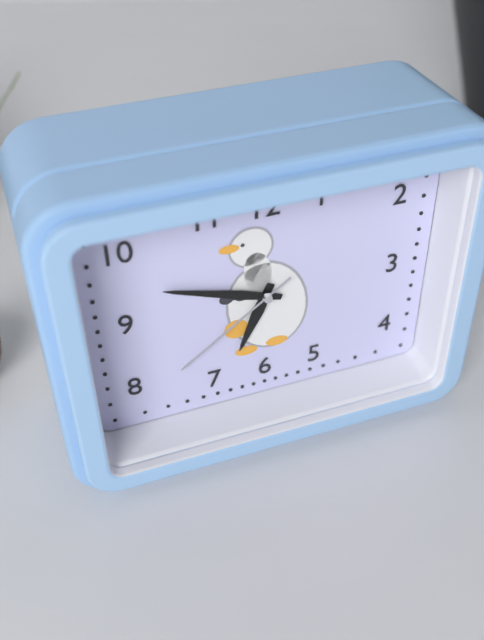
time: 6:48:39
